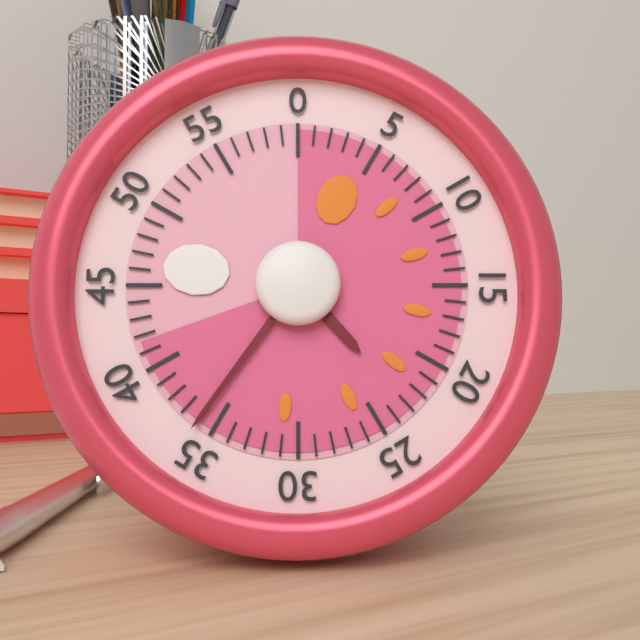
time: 4:36
